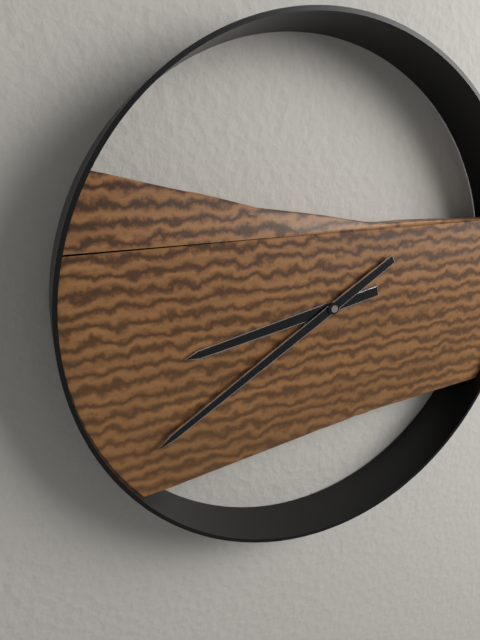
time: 8:40
